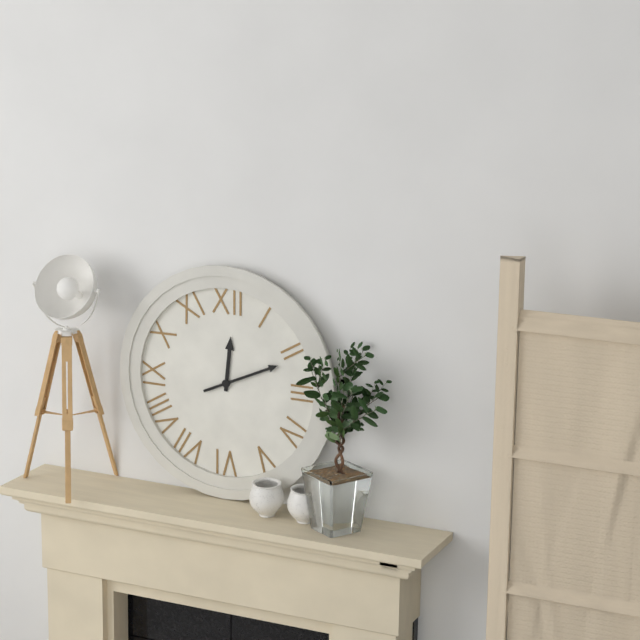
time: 12:11
